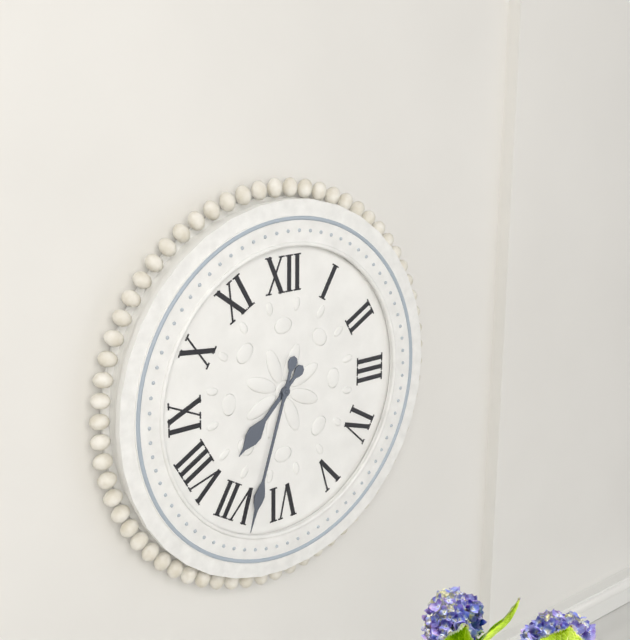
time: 7:33
